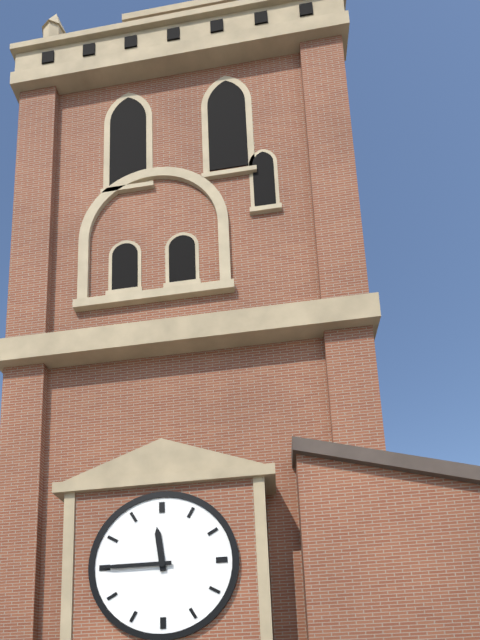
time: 11:45
